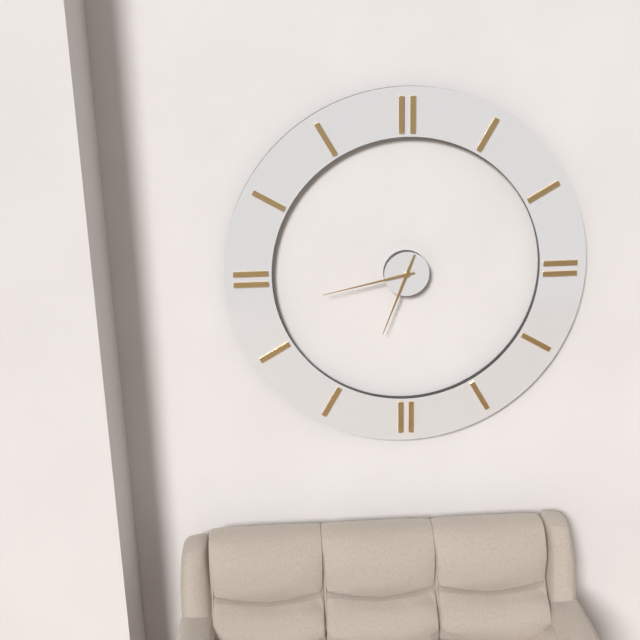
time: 6:43
